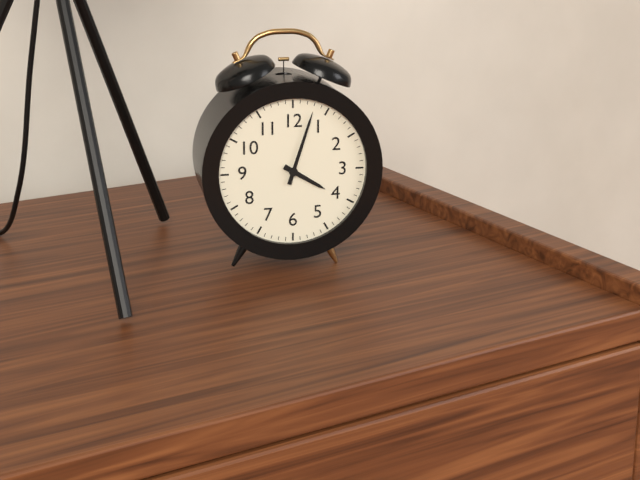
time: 4:03
